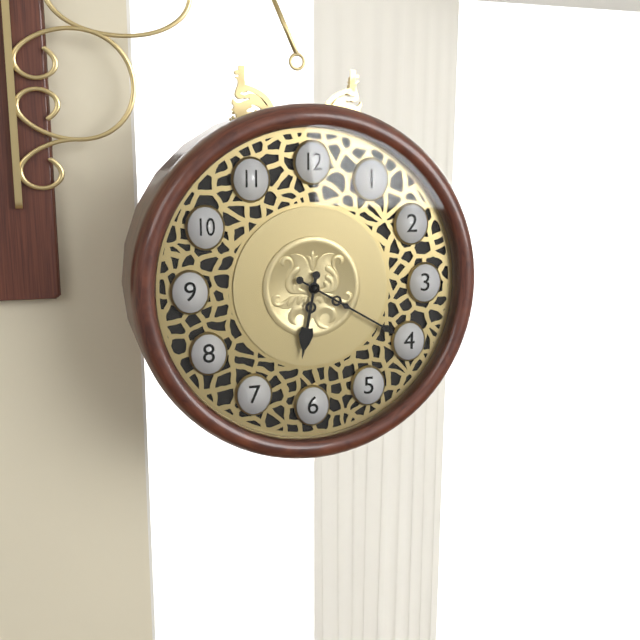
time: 6:20
